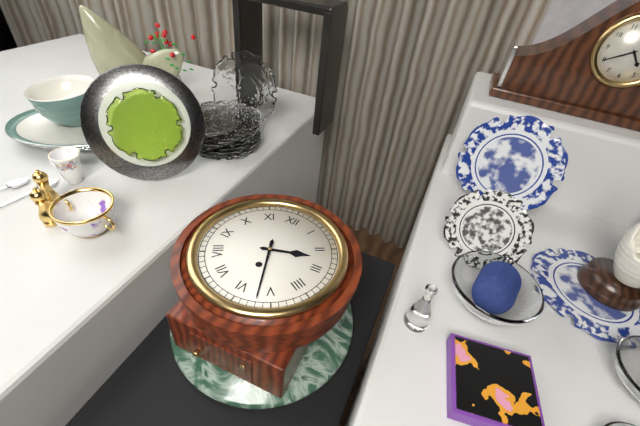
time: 2:27
